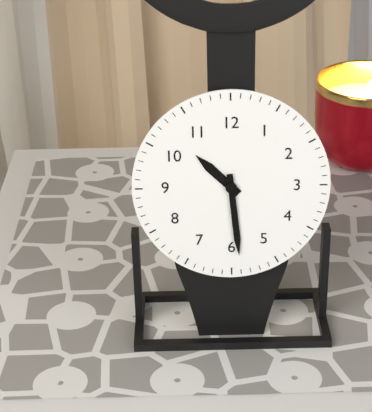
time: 10:29
